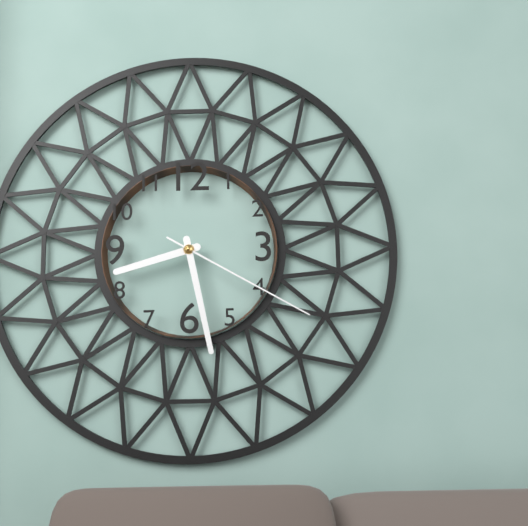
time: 8:28:20
